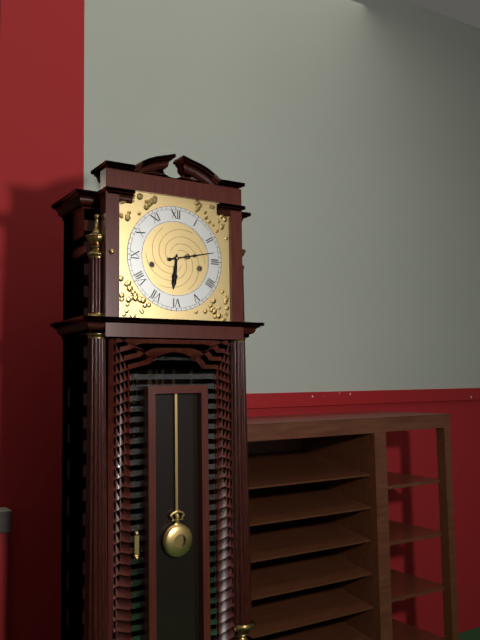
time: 6:13
